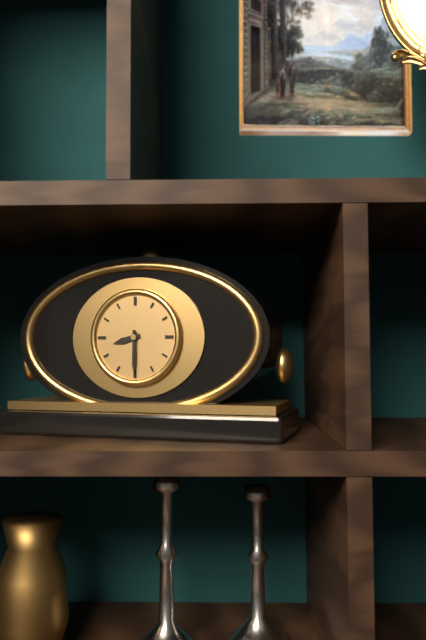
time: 8:30
